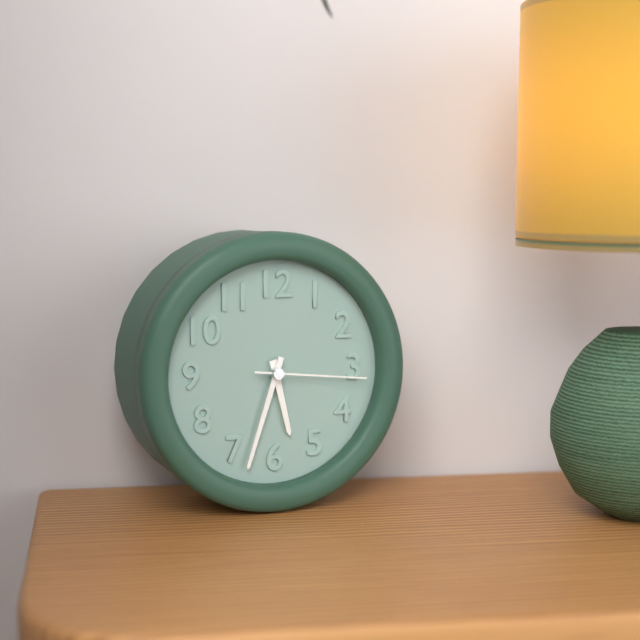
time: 5:33:16
